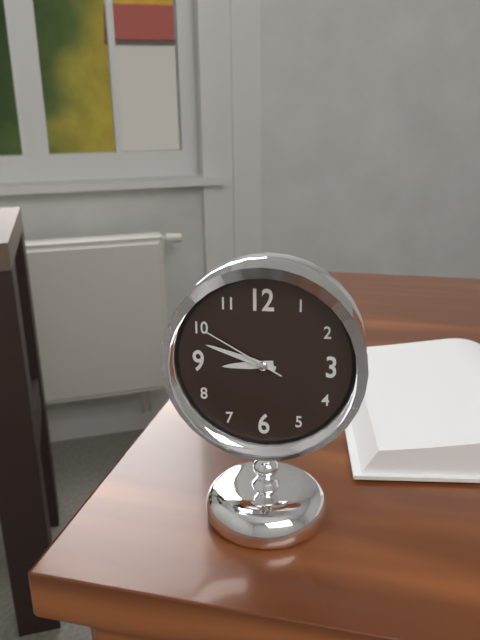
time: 8:48:50
